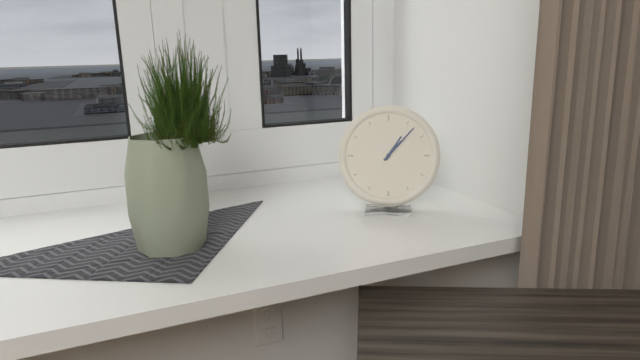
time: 1:07
